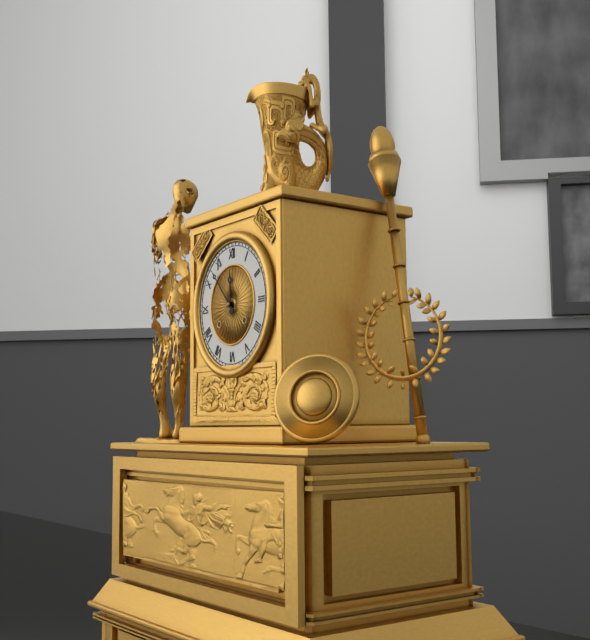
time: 11:53
